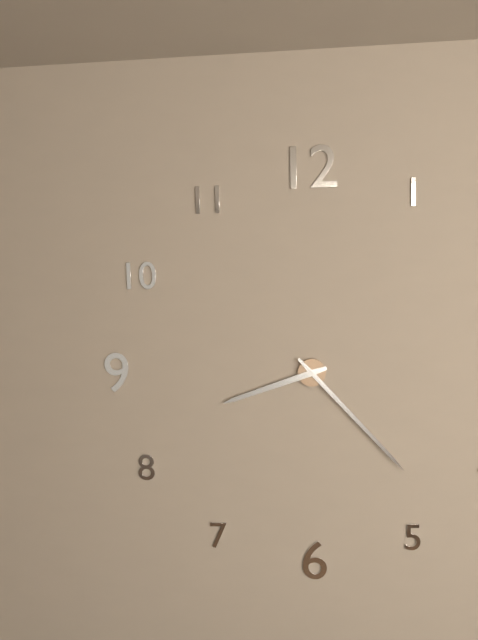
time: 8:23
